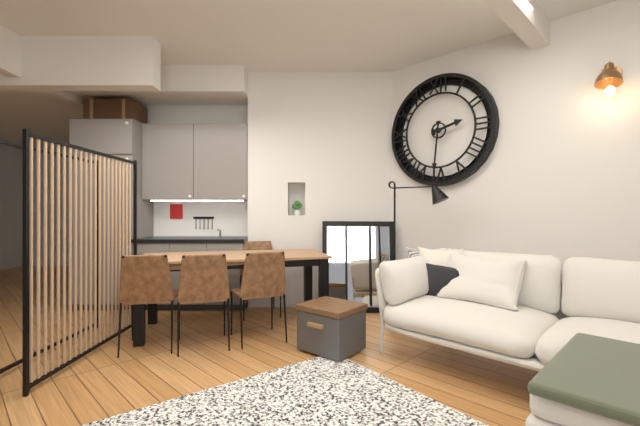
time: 2:31
